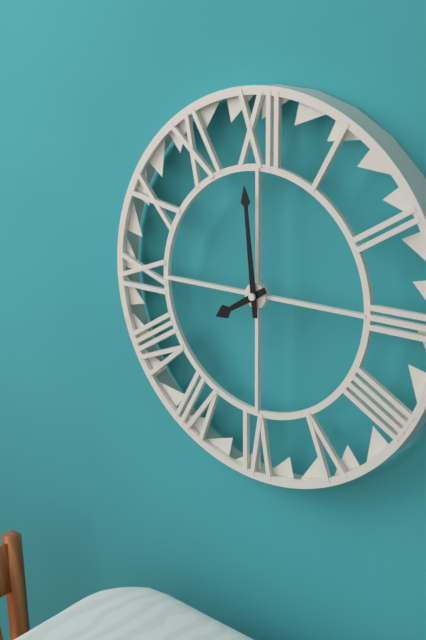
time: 7:59
